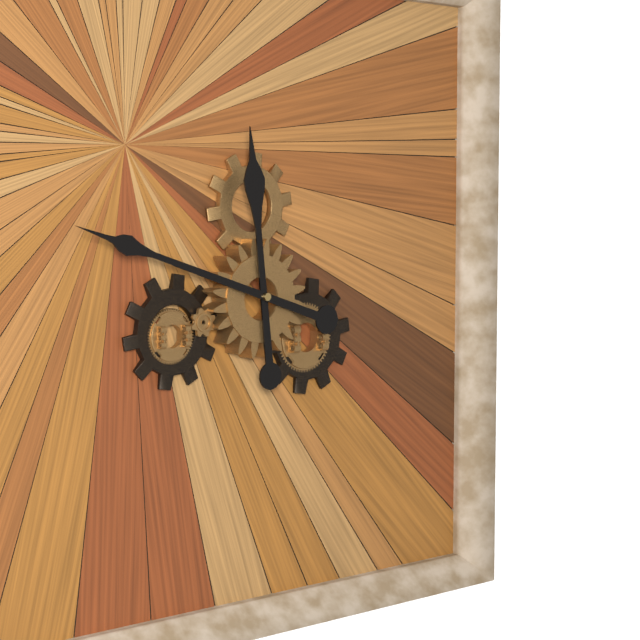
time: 11:48
